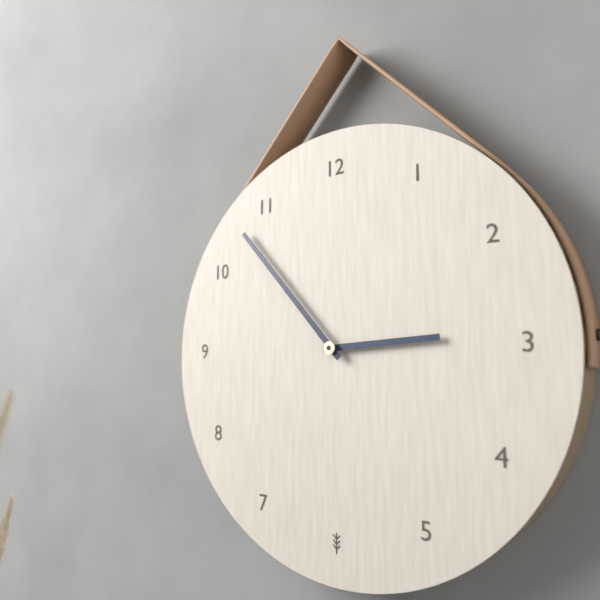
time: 2:53
